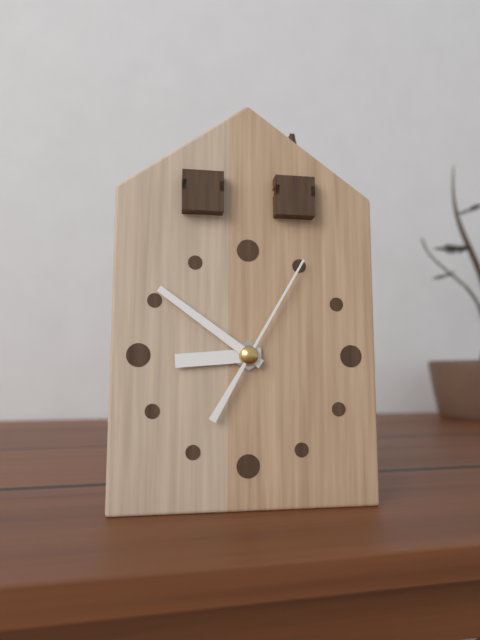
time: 8:51:05
